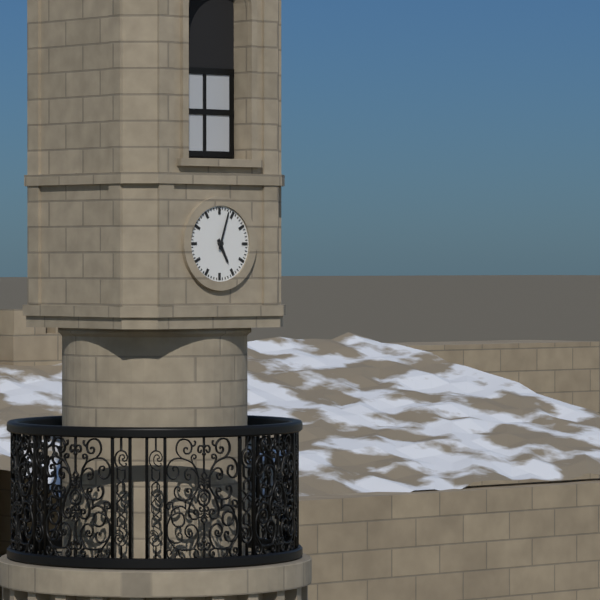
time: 5:03
